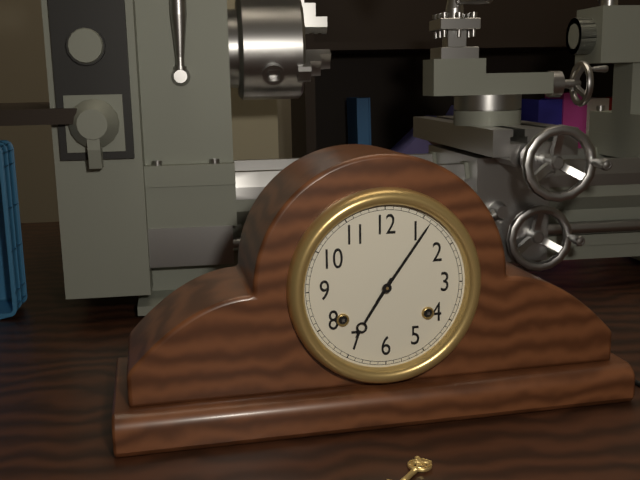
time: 7:06
